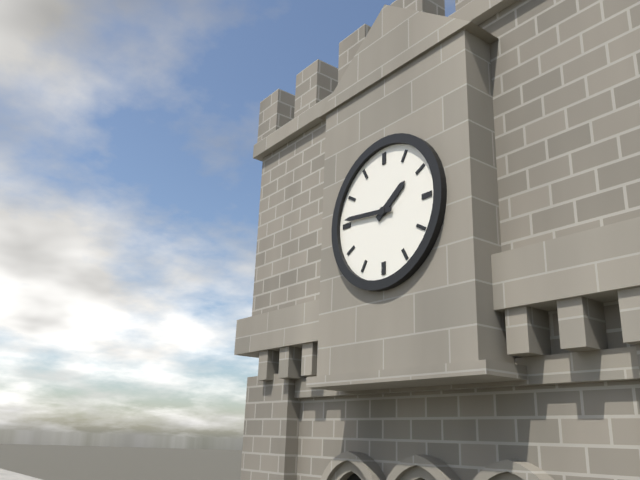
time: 1:46
